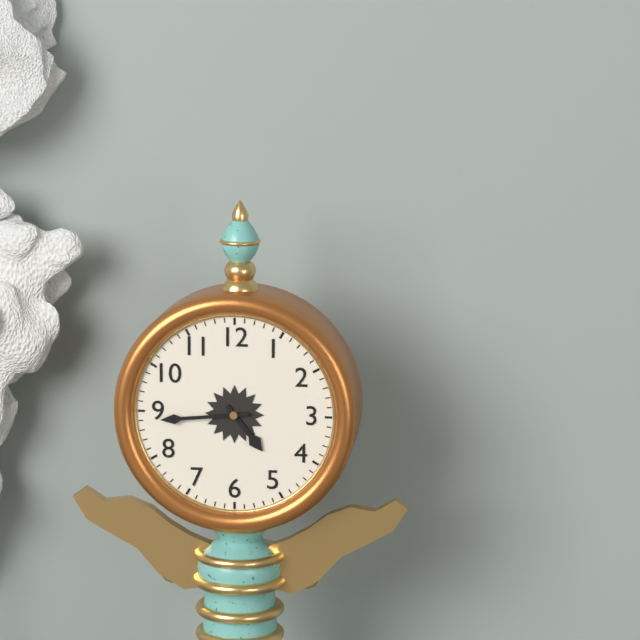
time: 4:44
